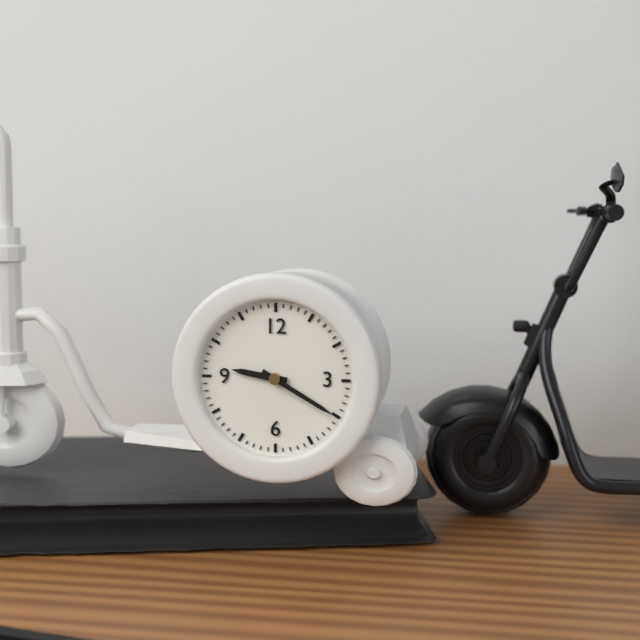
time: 9:20
